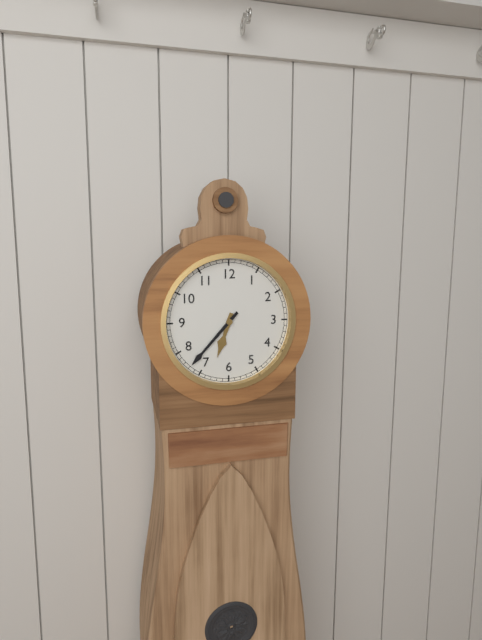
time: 6:37
